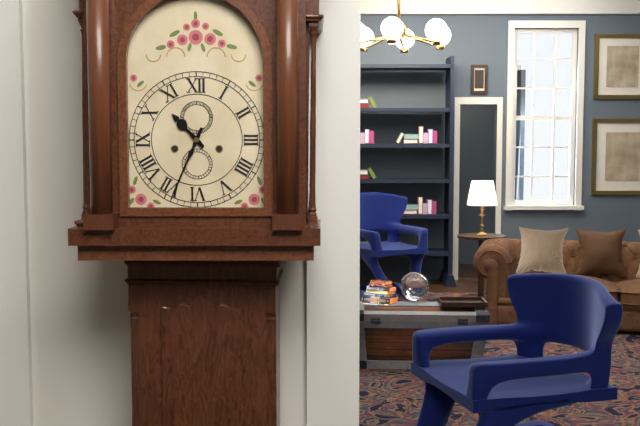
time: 10:34
